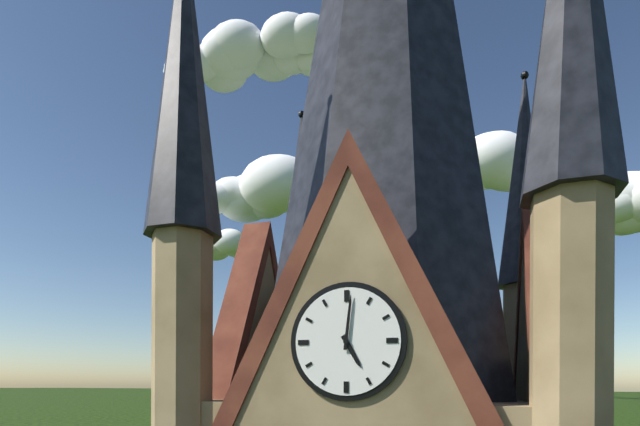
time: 5:01
